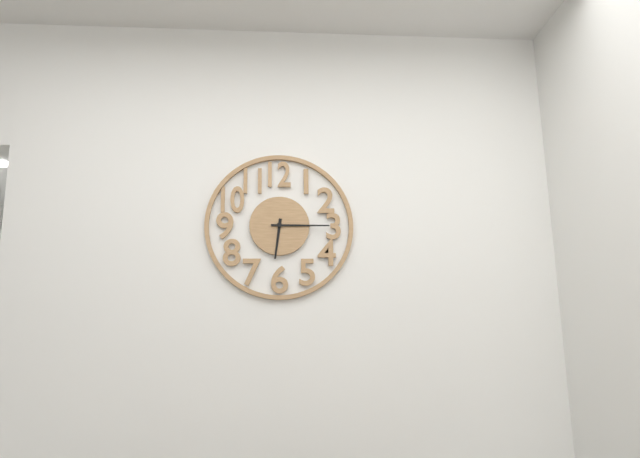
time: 6:15
